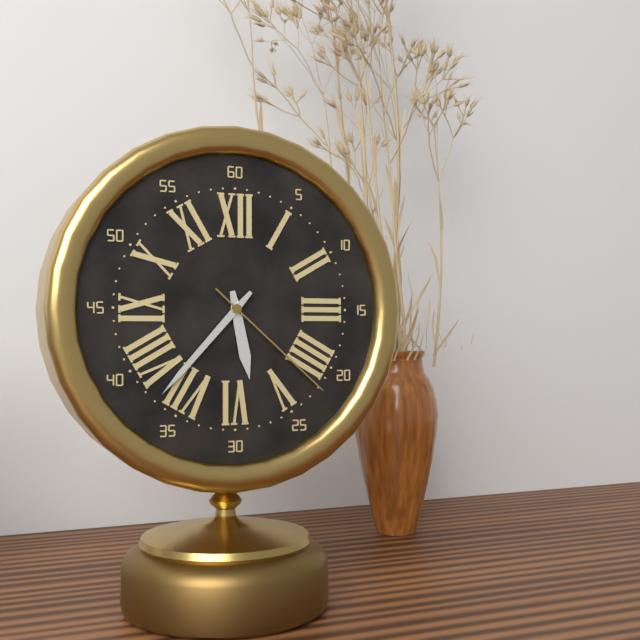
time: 5:37:22
